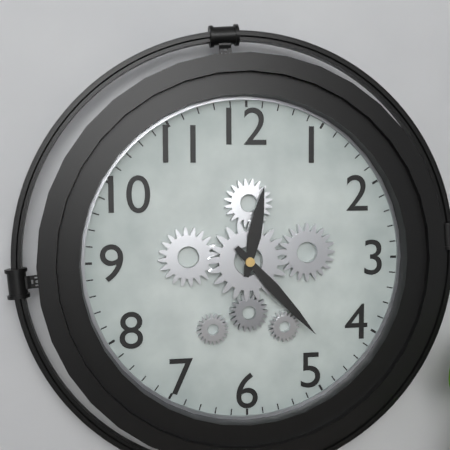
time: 12:23
